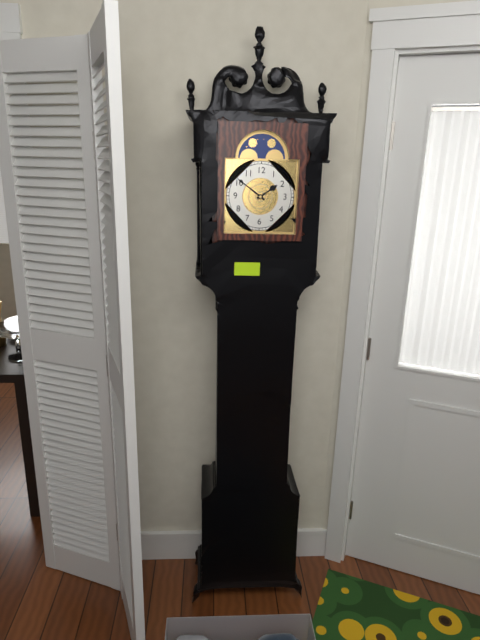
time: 1:51
